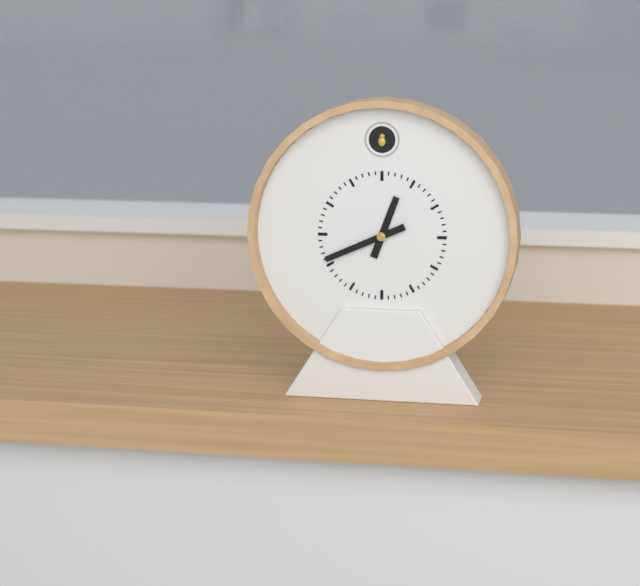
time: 12:41
